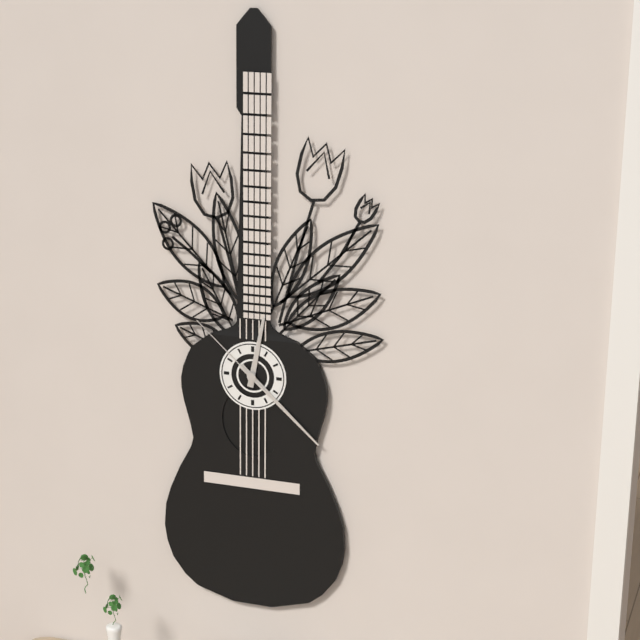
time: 12:22:52
